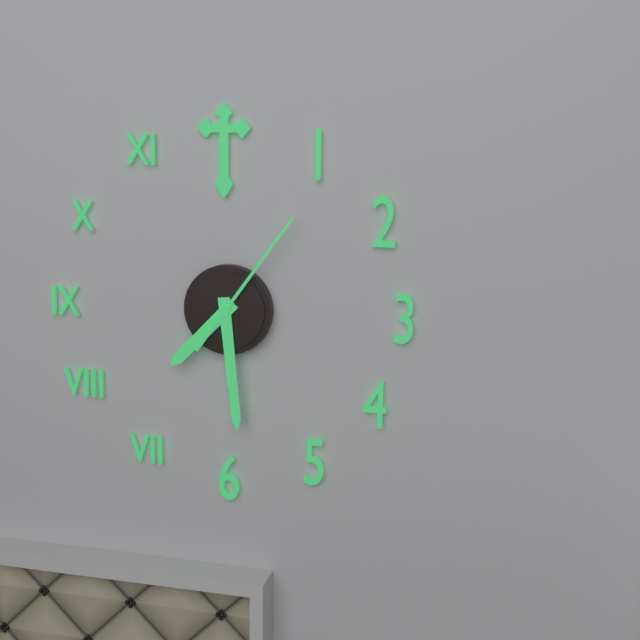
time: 7:29:06
